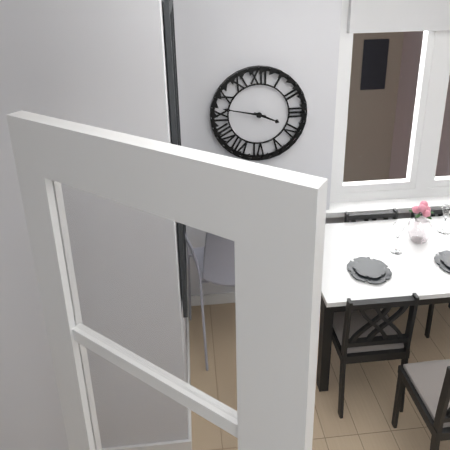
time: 3:47
